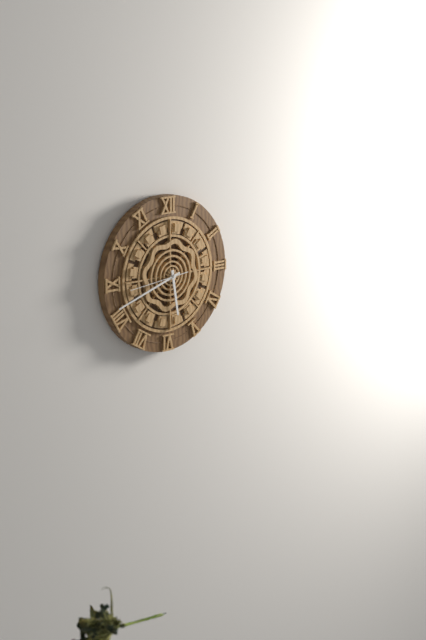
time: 5:42:44
